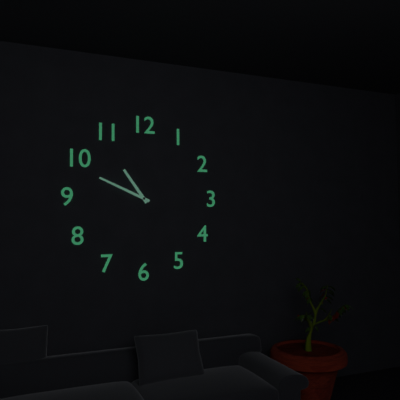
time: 10:49
